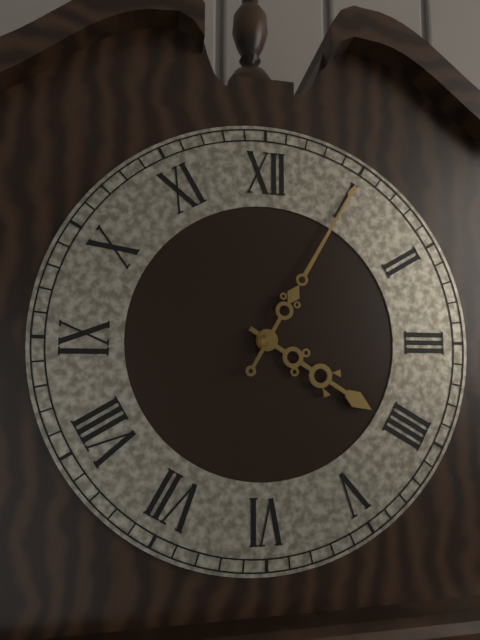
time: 4:05
